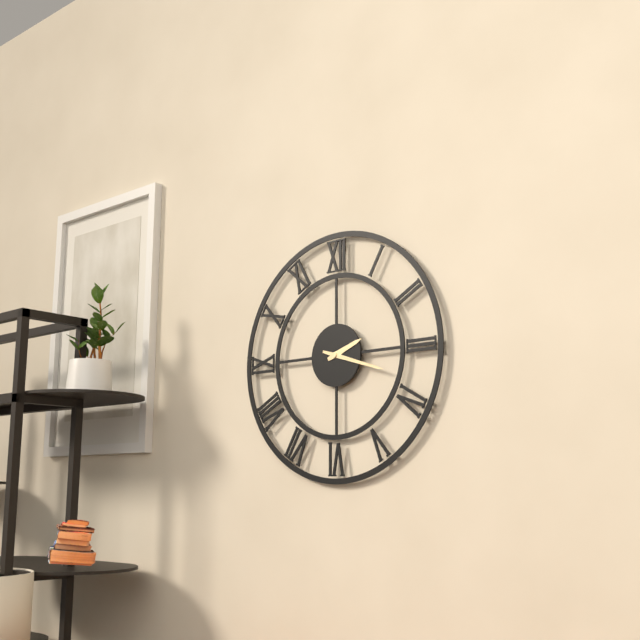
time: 2:18
